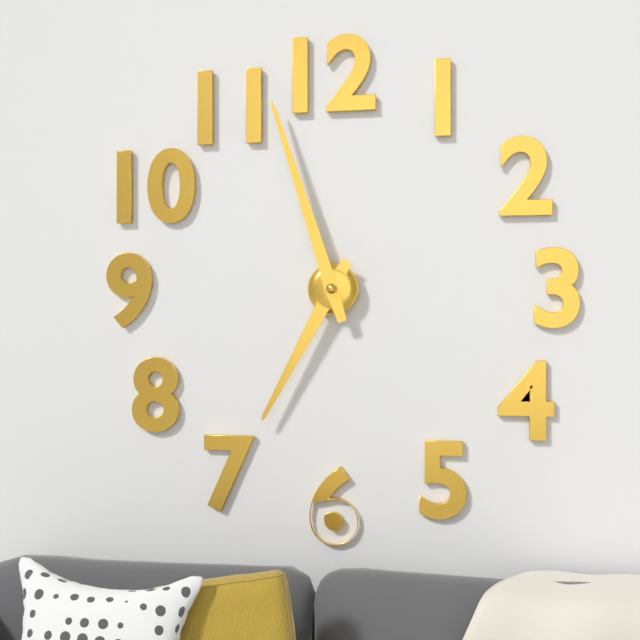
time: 6:57
